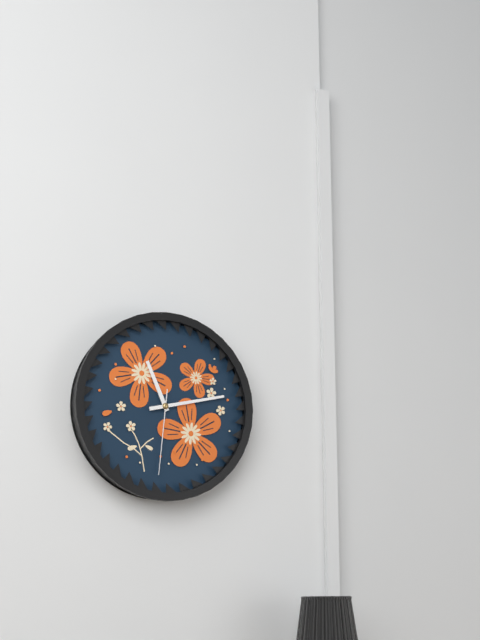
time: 11:13:31
